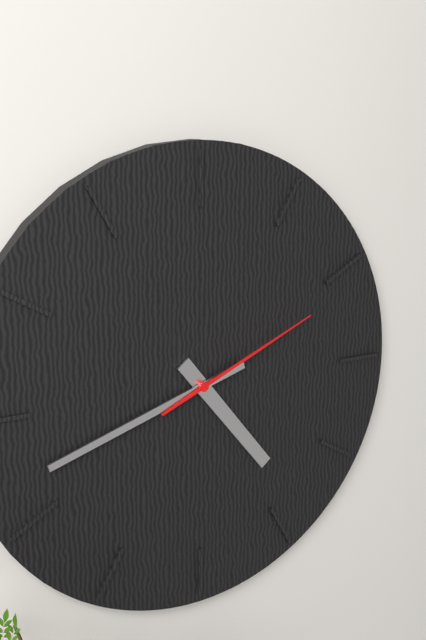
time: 4:42:11
